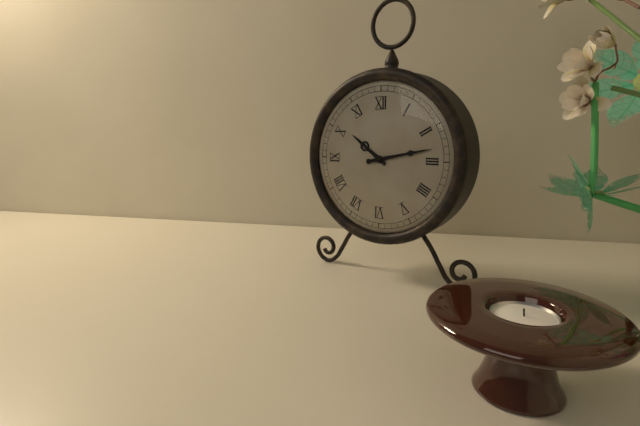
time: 10:13
